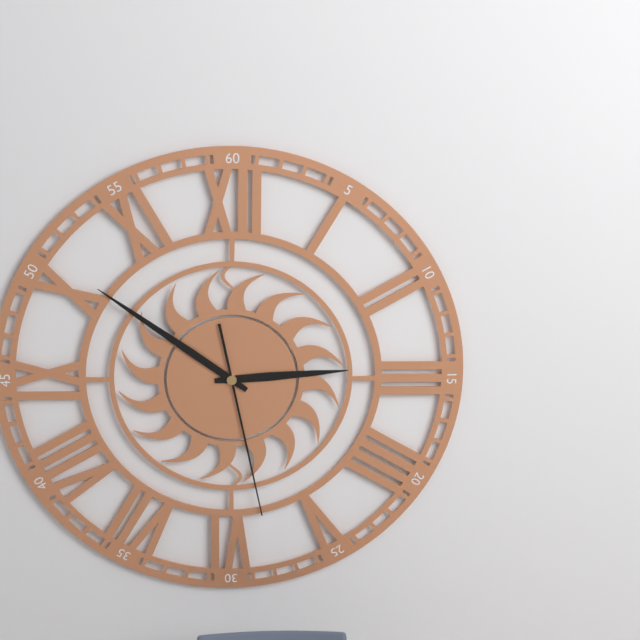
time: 2:51:28
